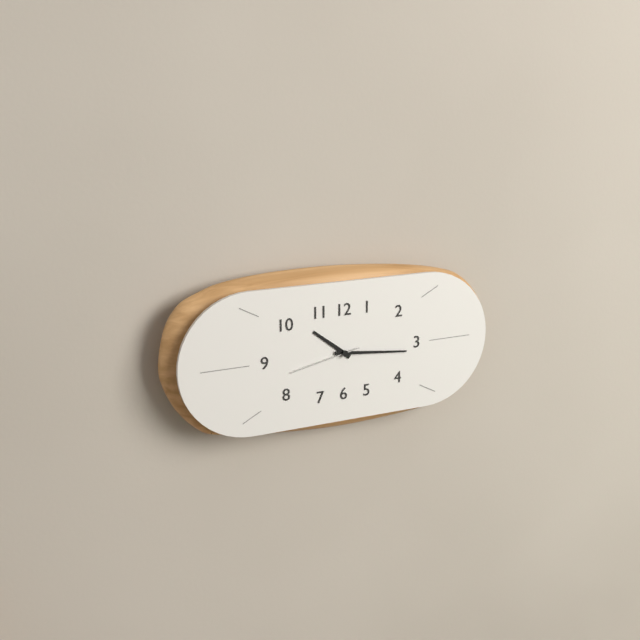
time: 10:16:43
